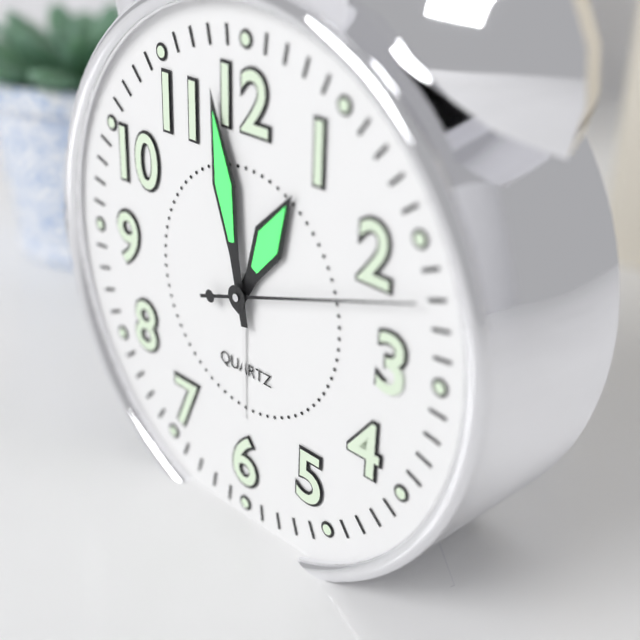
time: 12:58:12
